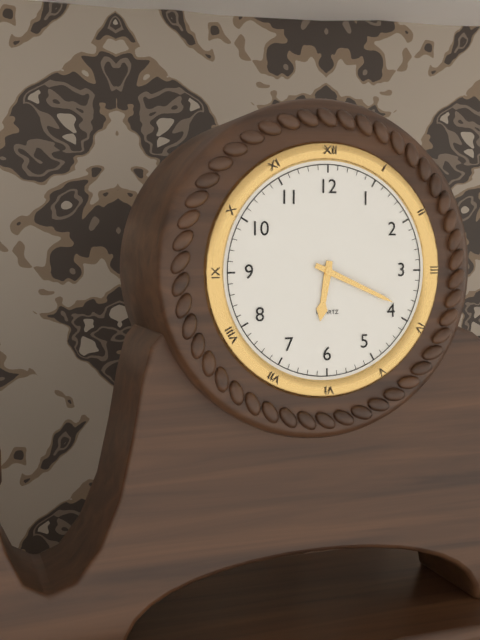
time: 6:19
